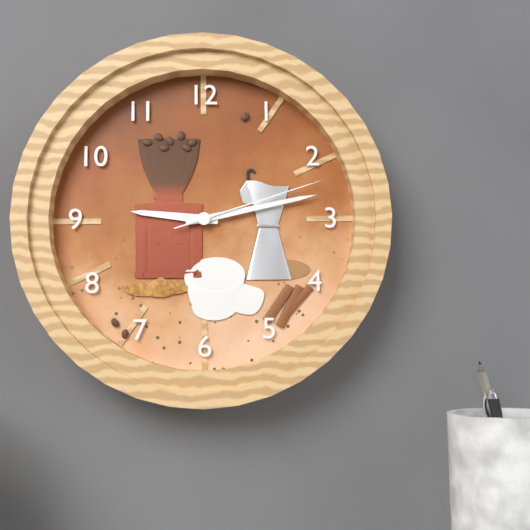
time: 9:13:12
